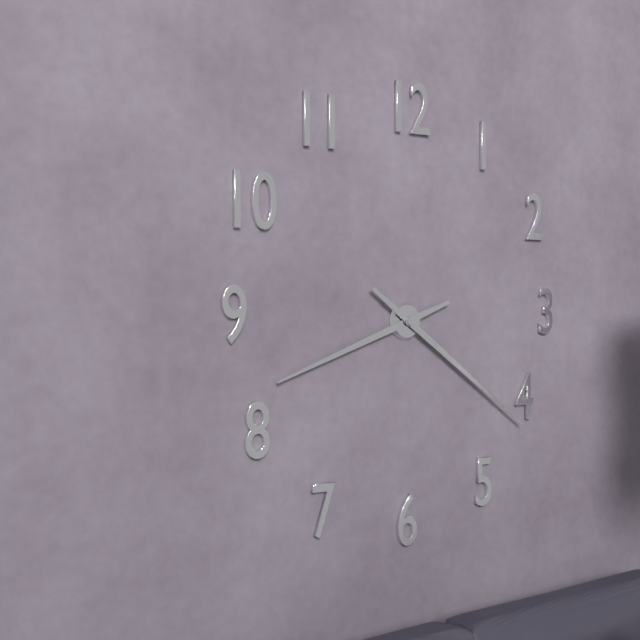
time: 8:21
